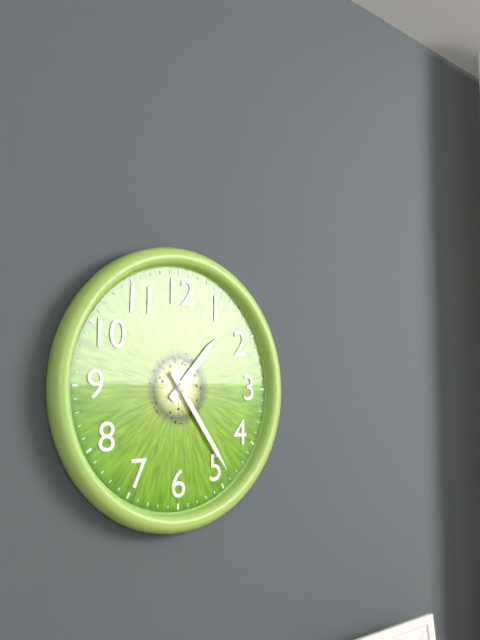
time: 1:24
